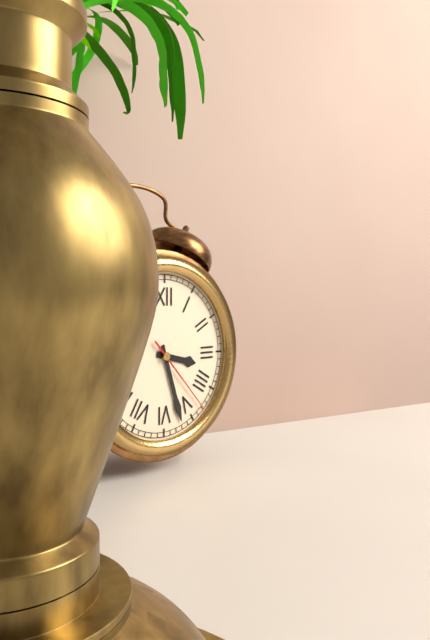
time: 3:27:23
